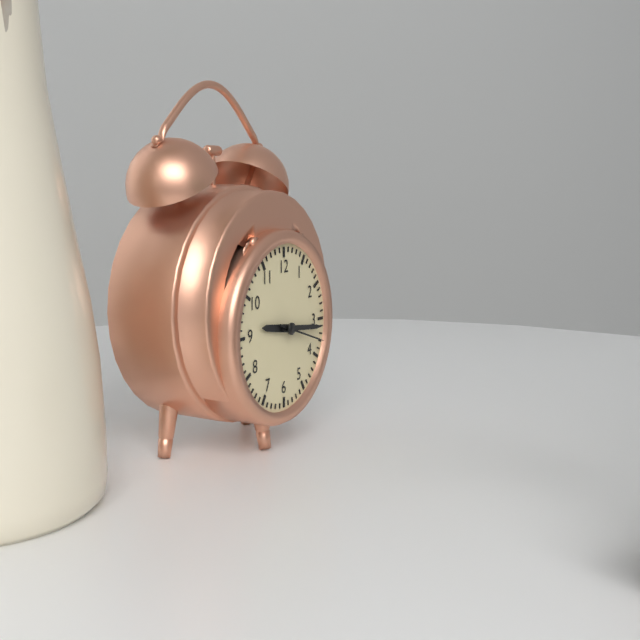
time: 9:16
